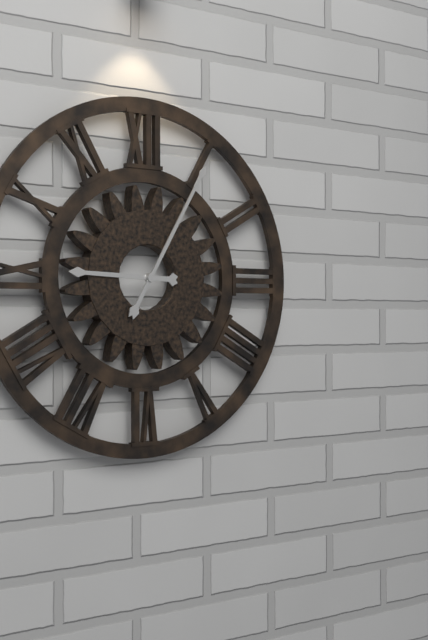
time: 9:05
